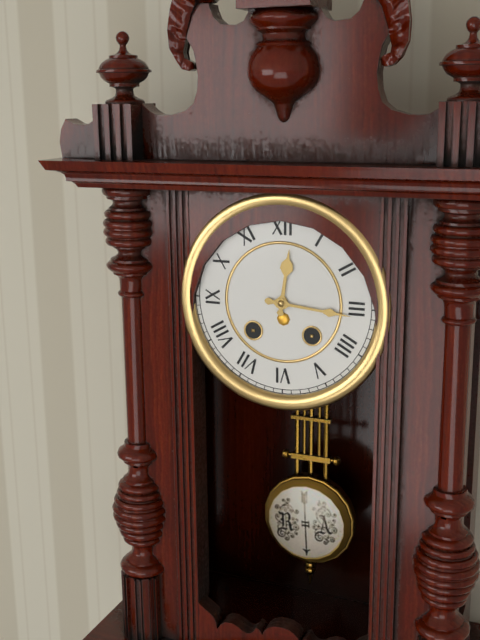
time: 12:16
